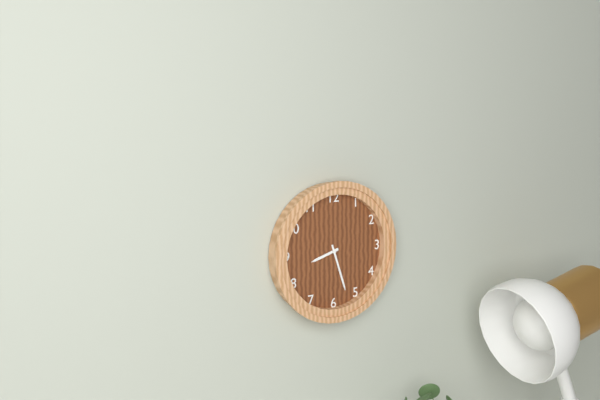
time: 8:27
